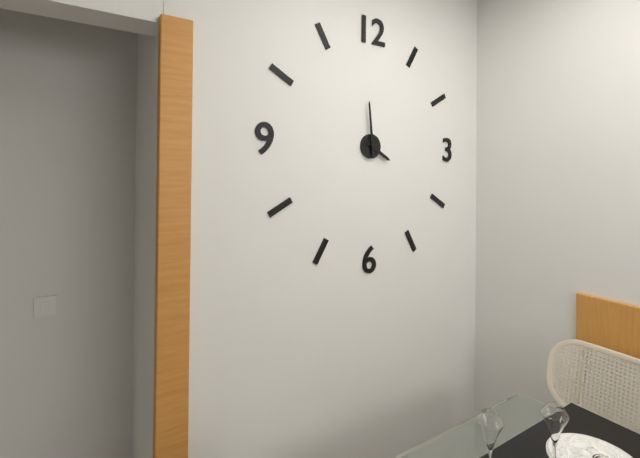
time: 3:59
